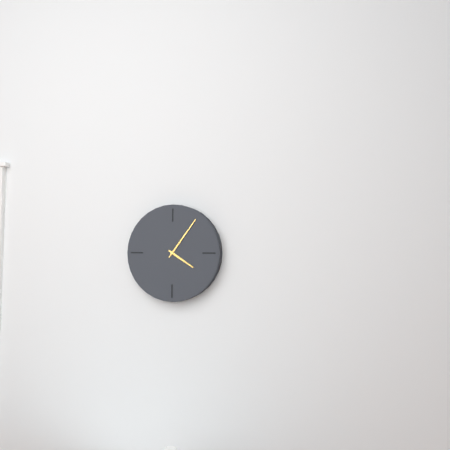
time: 4:06
